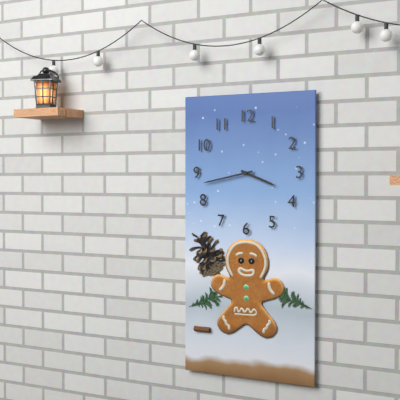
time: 3:43
